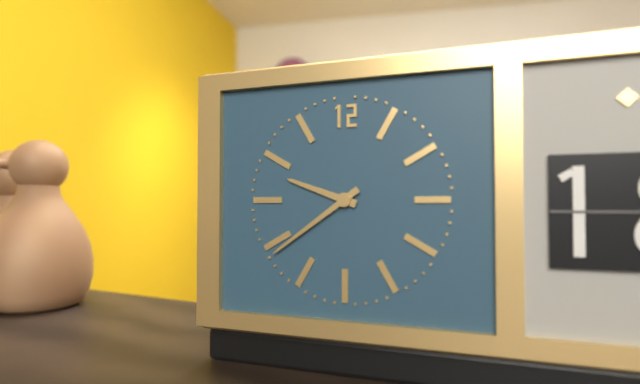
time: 9:39
